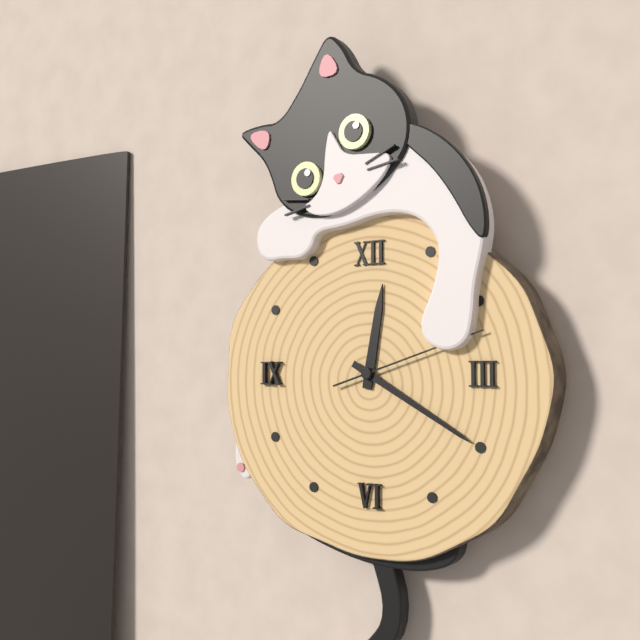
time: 12:20:12
